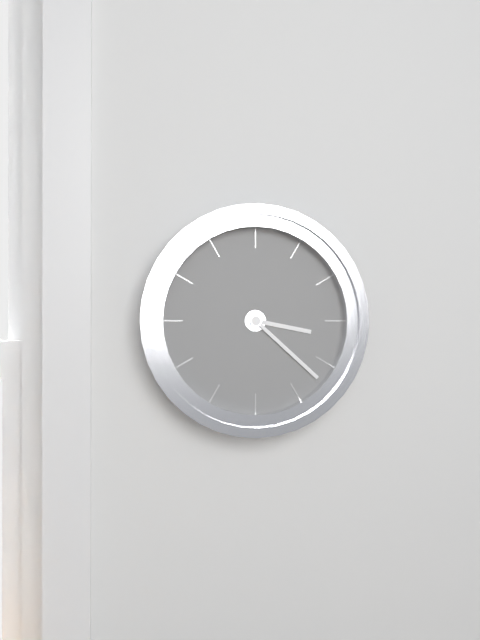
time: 3:22
